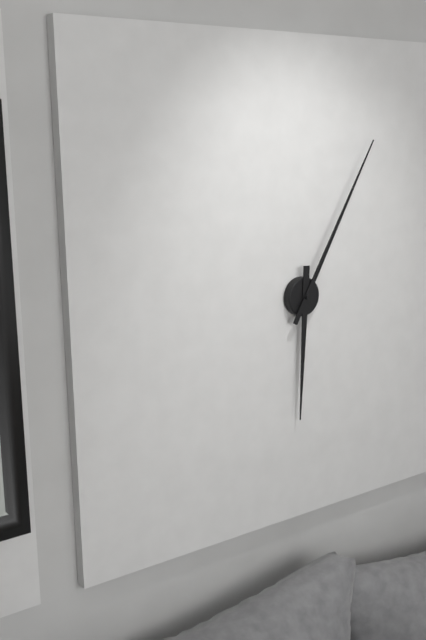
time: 6:05
